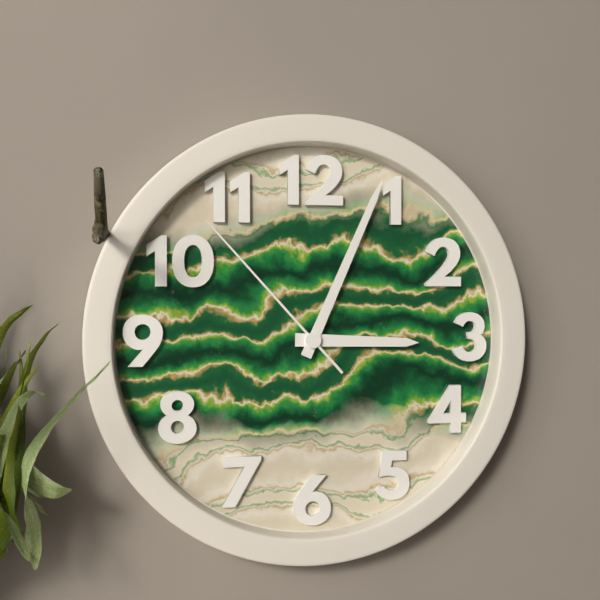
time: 3:04:53
